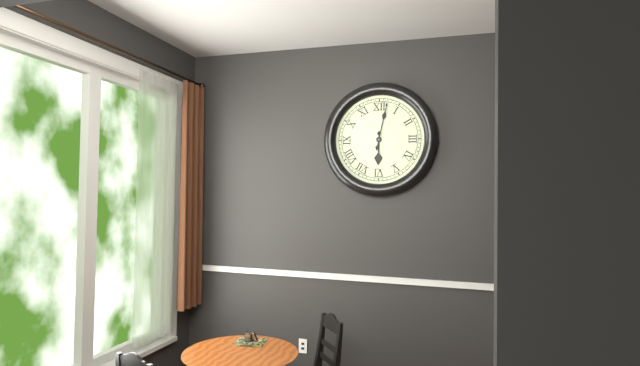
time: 6:02
